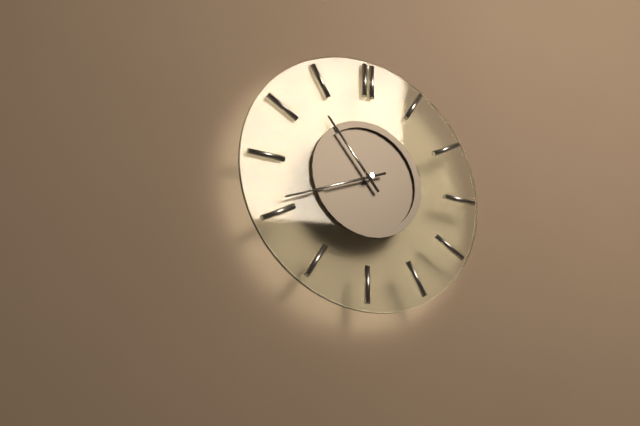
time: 10:41
